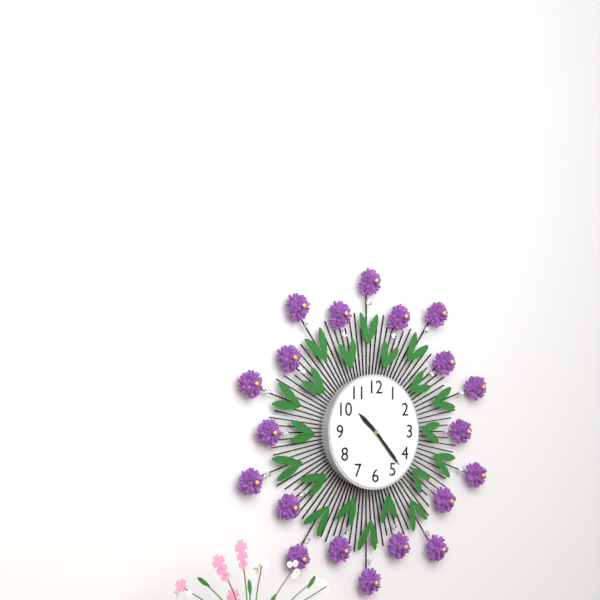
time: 10:23
